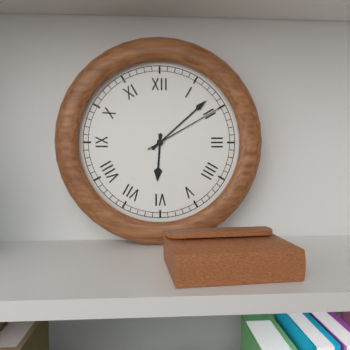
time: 6:08:10
